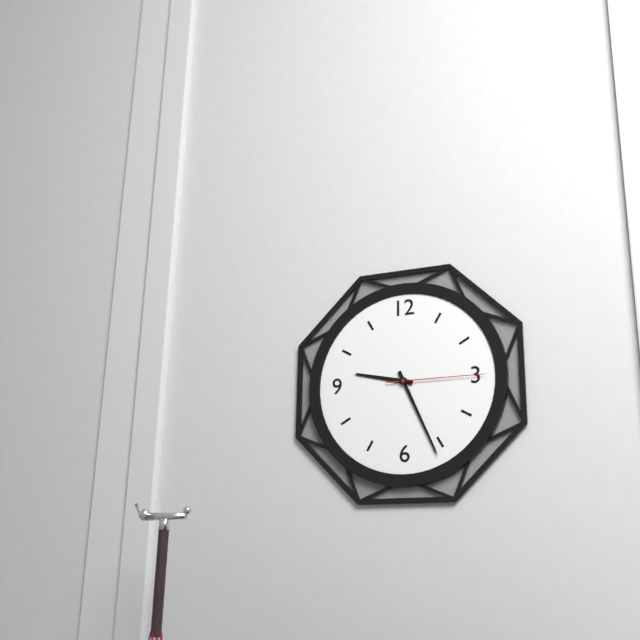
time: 9:26:15
